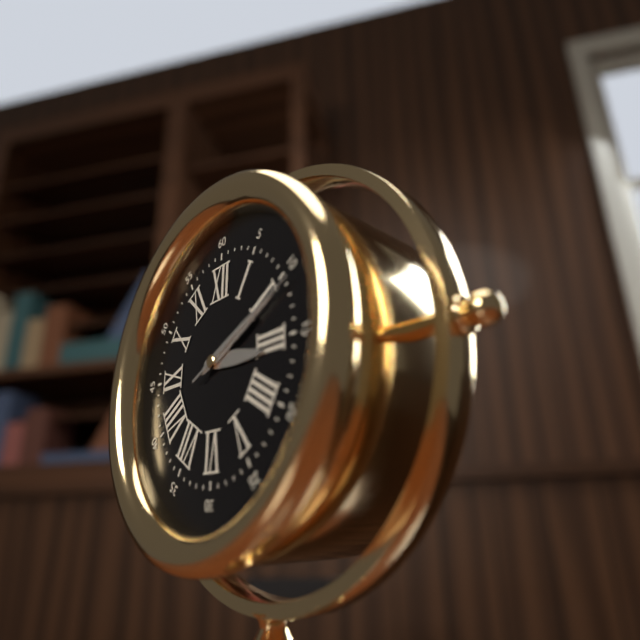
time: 3:11:11
